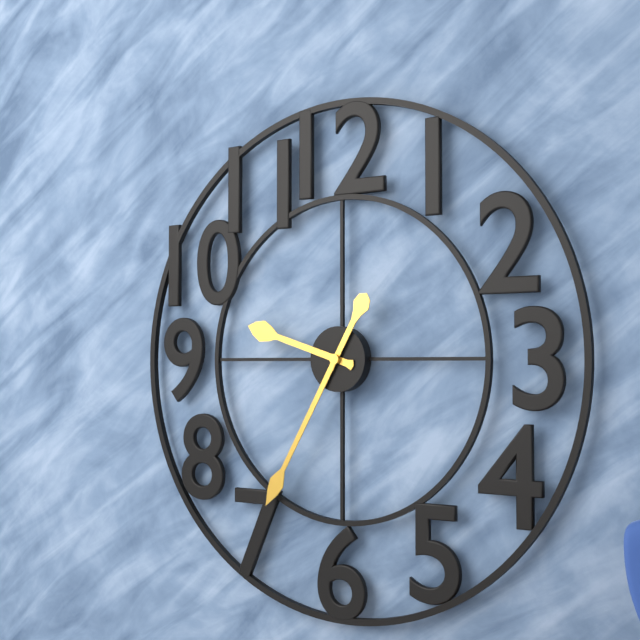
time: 9:35
